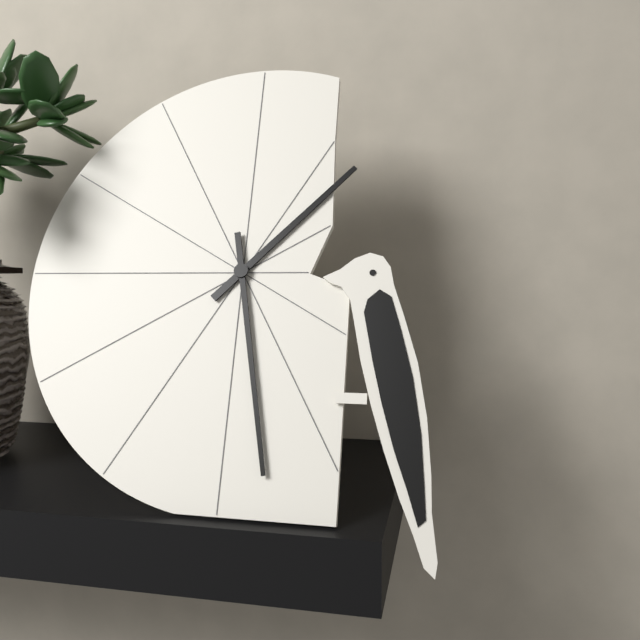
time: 1:28
